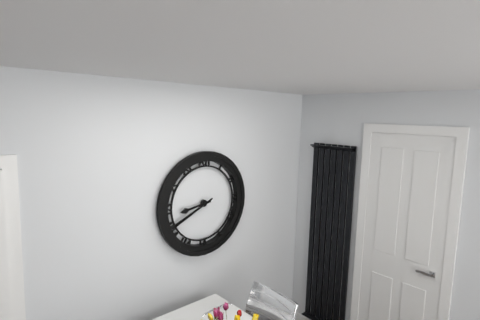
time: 8:41
